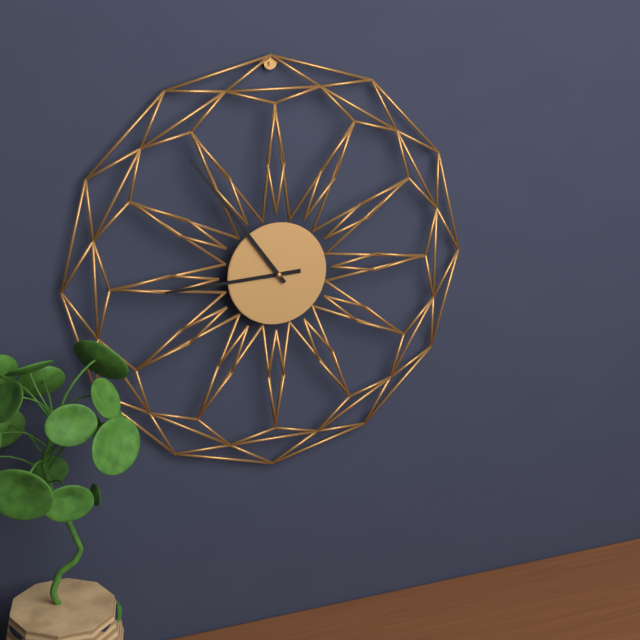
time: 8:54
